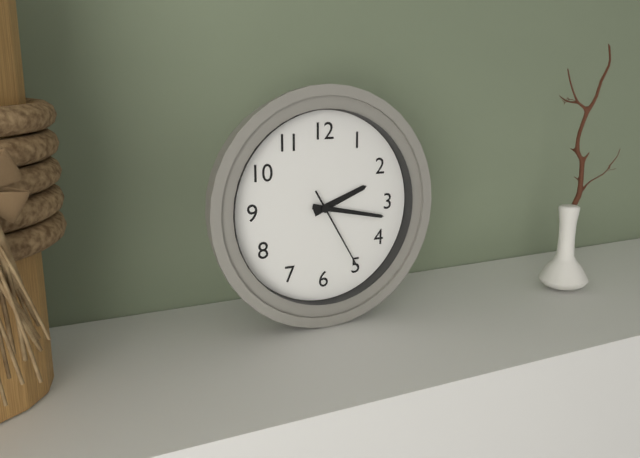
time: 2:17:25
